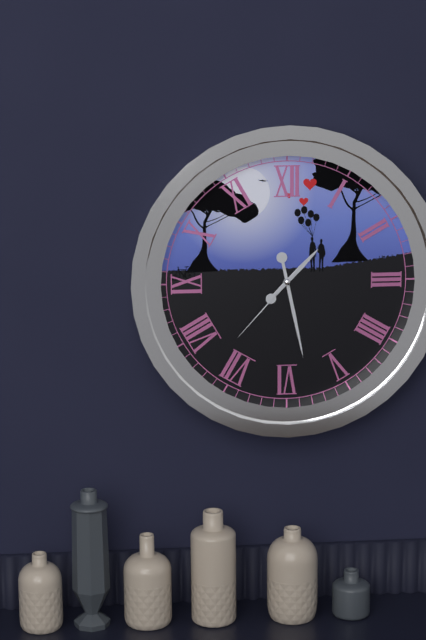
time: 1:28:37
